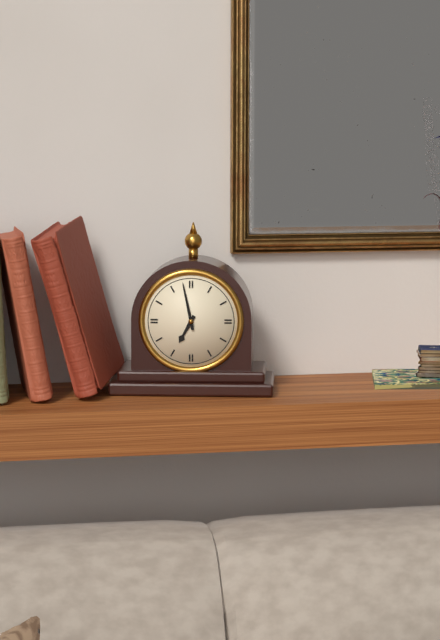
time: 6:58
